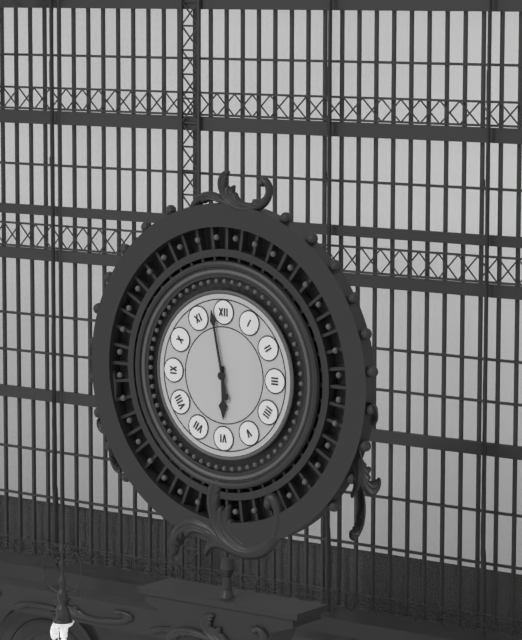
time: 5:58
